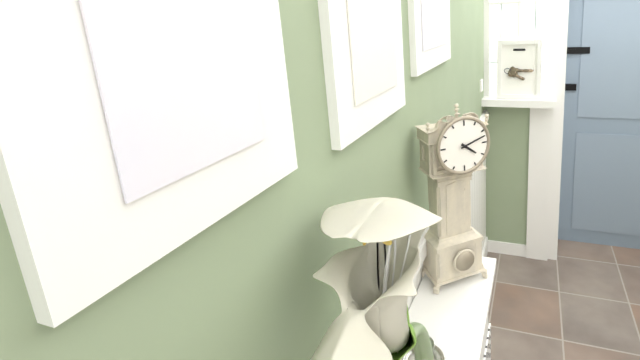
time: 4:12
